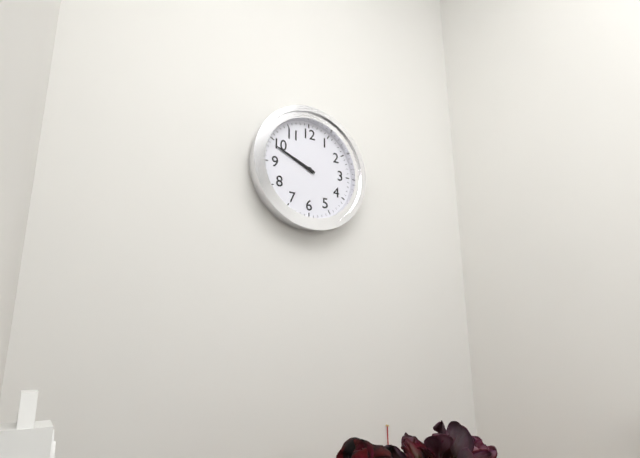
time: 9:49
